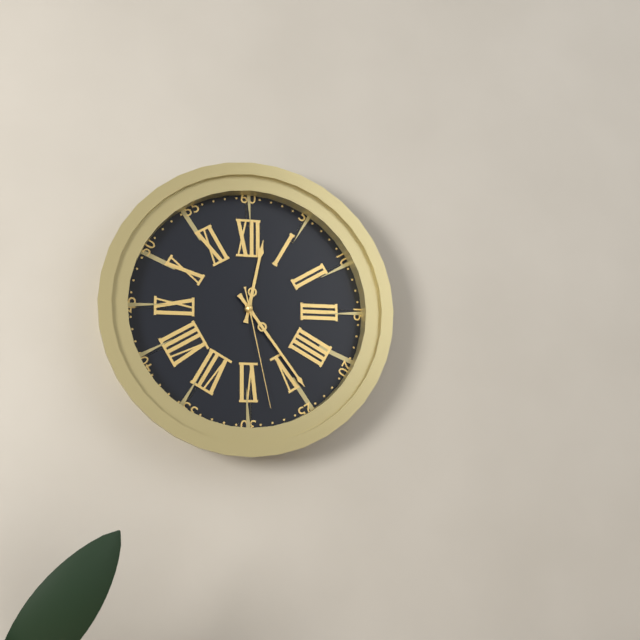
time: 12:24:28
